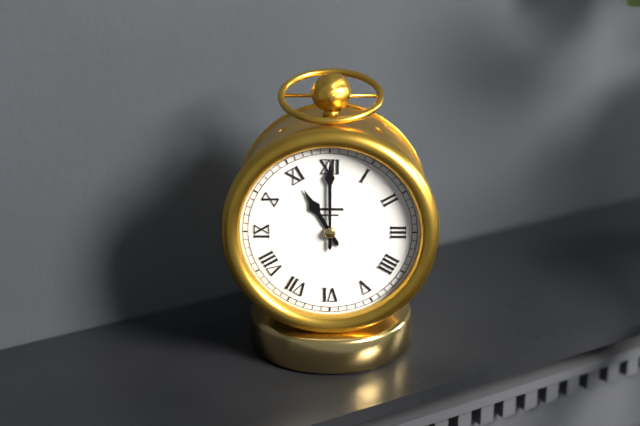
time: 11:00
